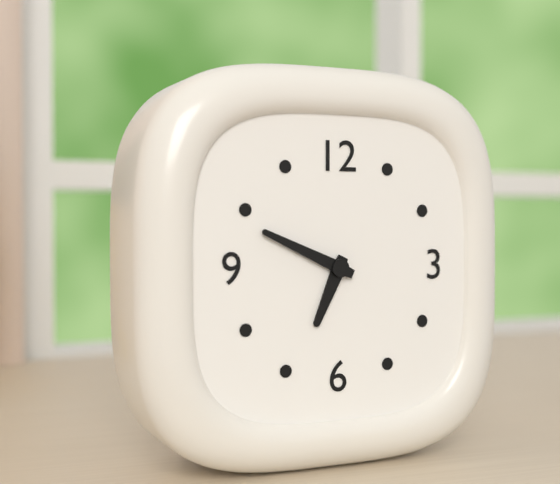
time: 6:49
